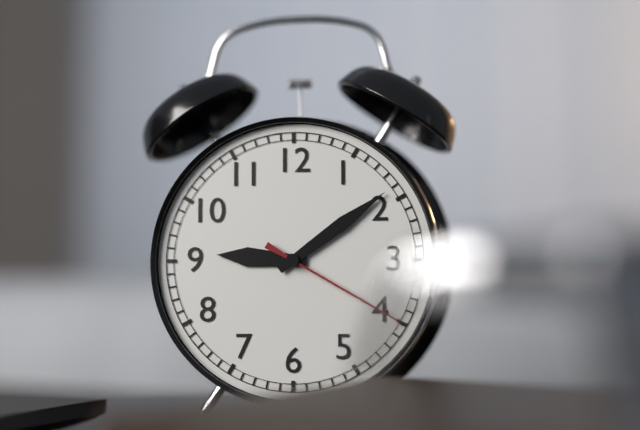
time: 9:09:20
